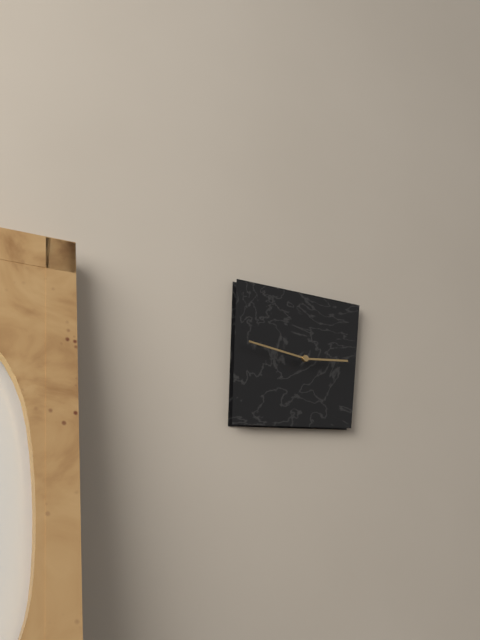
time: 2:46
